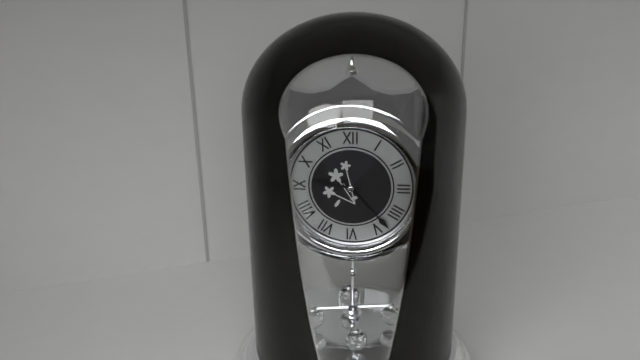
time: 9:23
